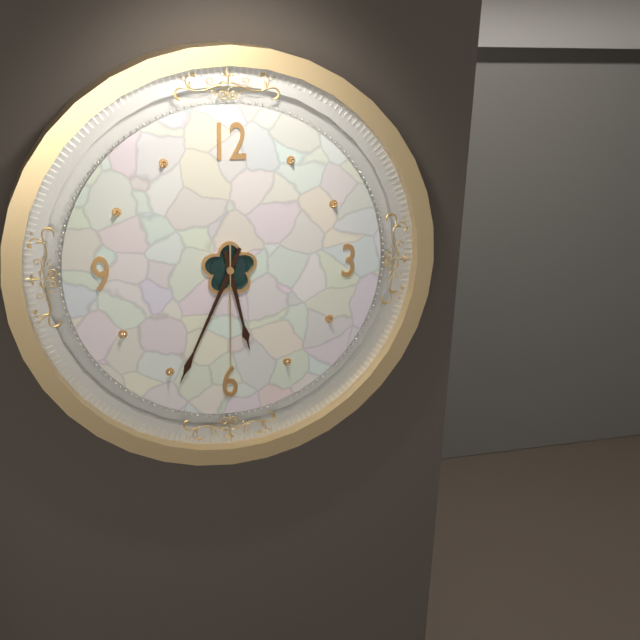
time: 5:34:30
